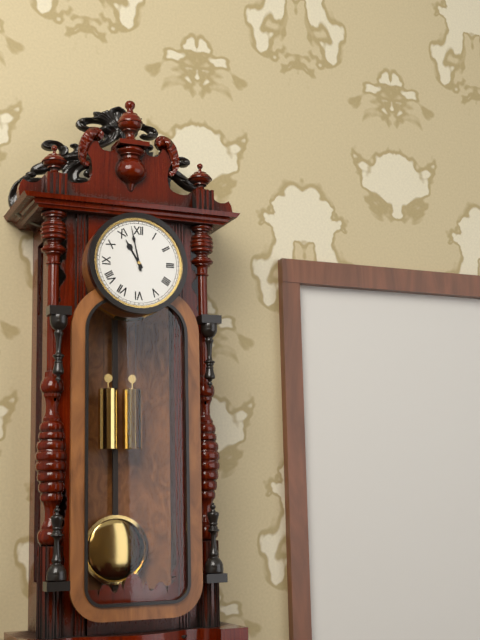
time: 10:58
